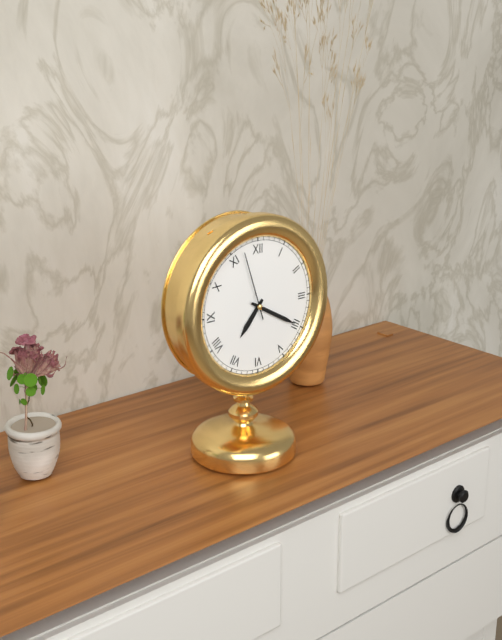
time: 7:20:57
